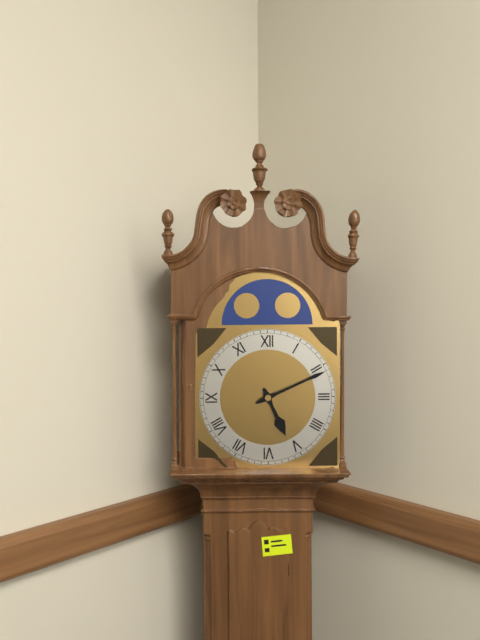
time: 5:11
